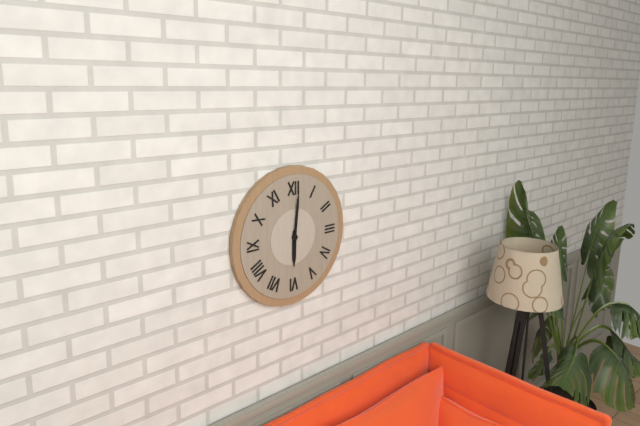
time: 6:01
